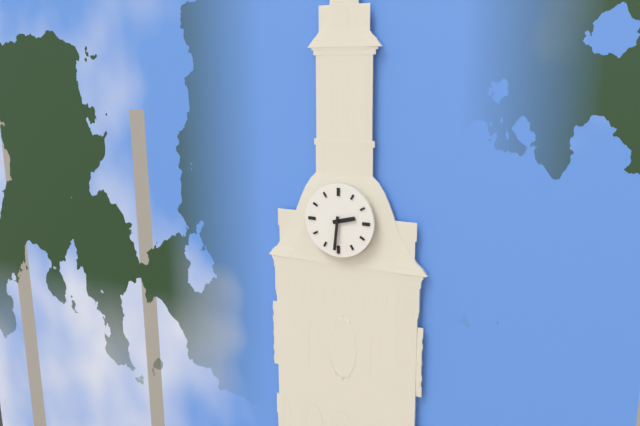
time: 2:31
